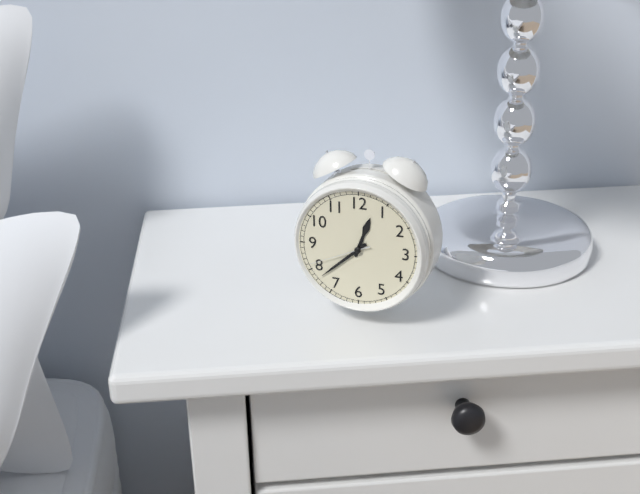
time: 12:38:41
